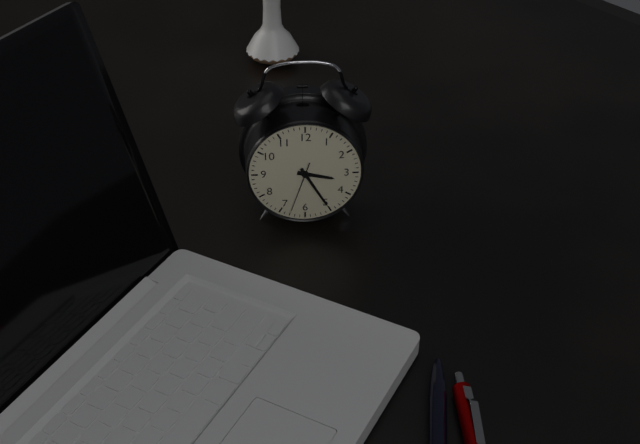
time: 3:25:33
